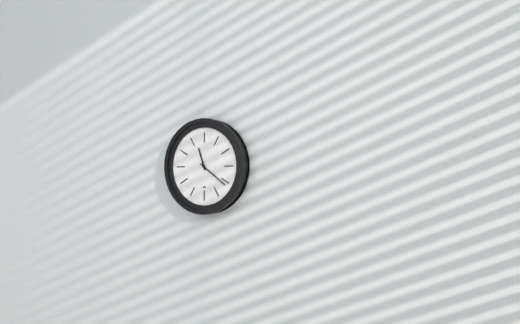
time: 11:21
